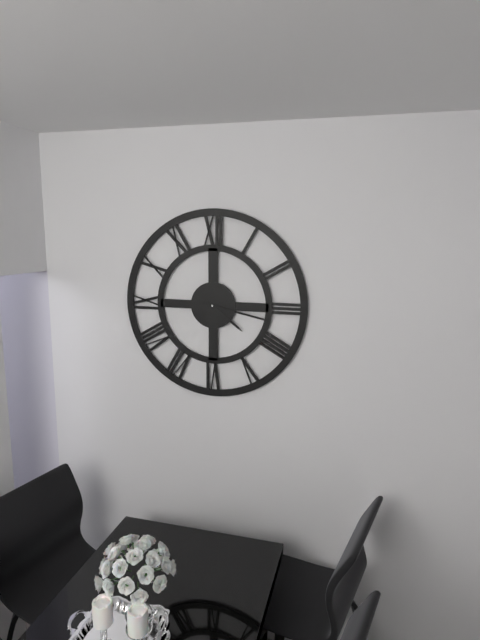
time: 4:17
